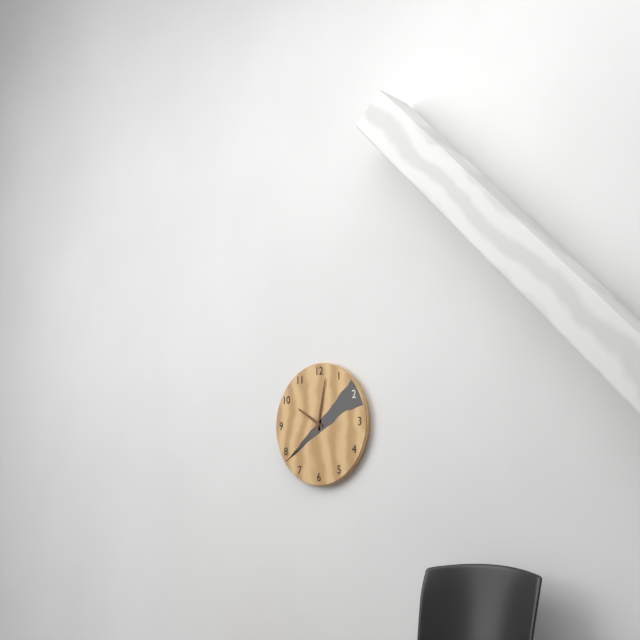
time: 10:02
